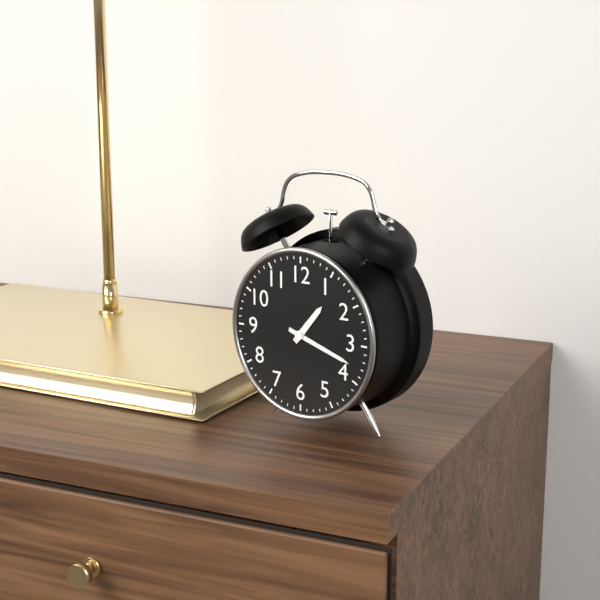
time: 1:18
